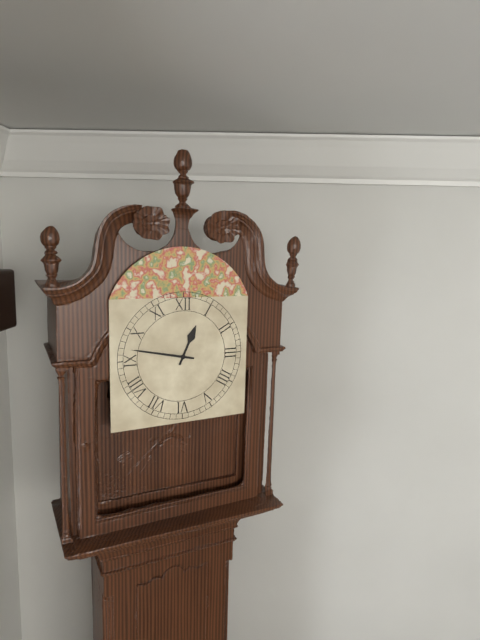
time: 12:47
